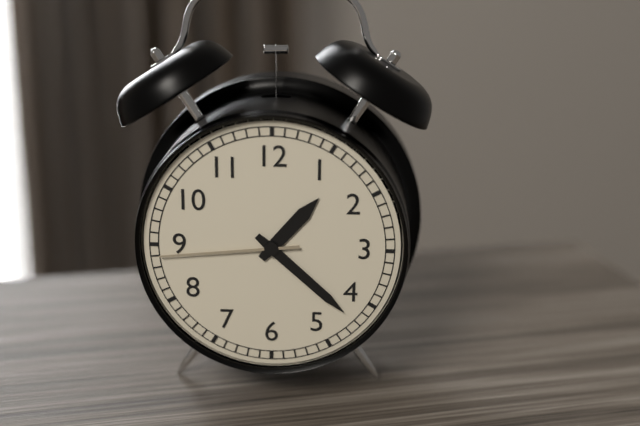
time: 1:22:44
